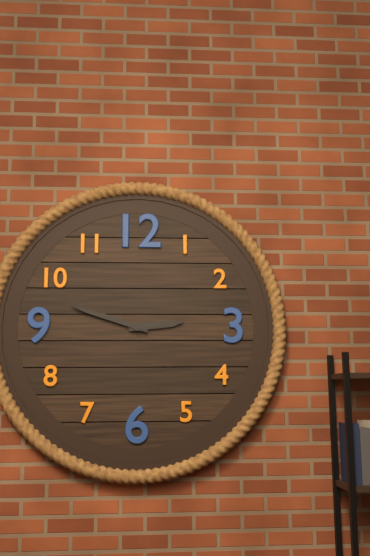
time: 2:48
